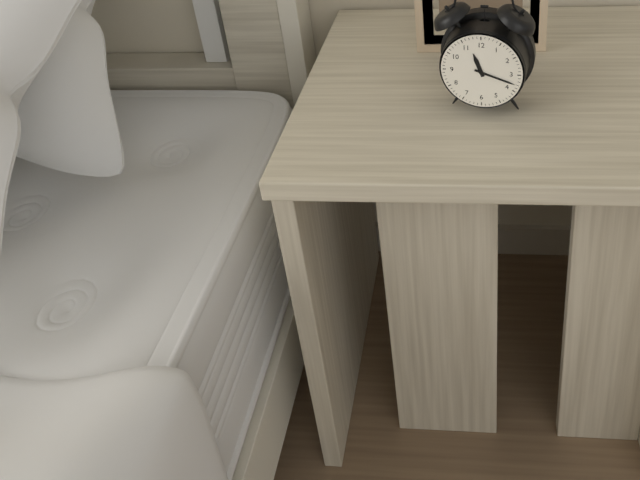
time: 11:18
